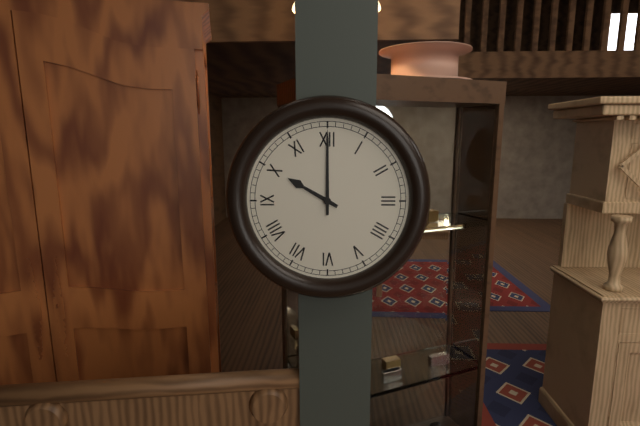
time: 10:00
